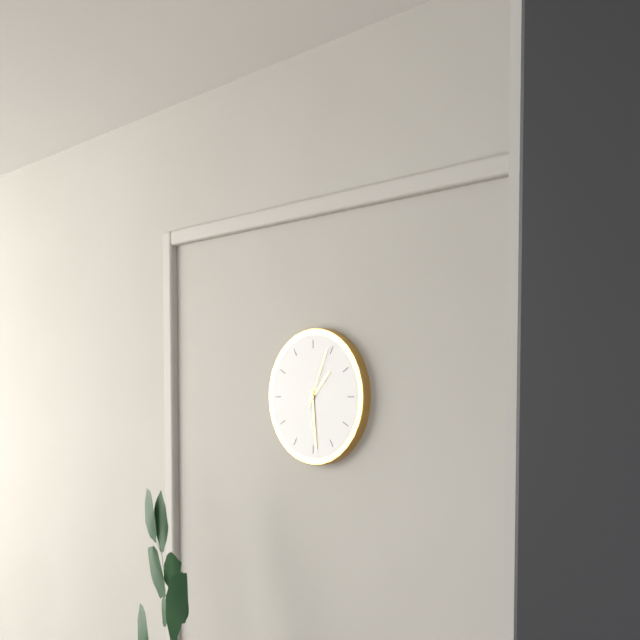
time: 1:29:04
